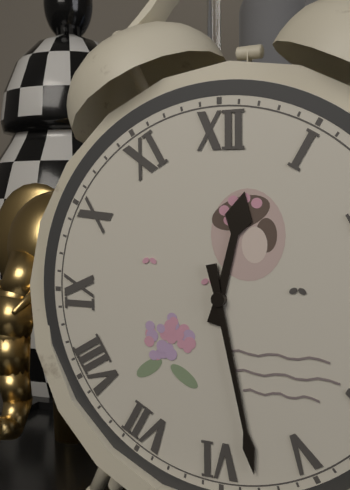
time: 12:28
